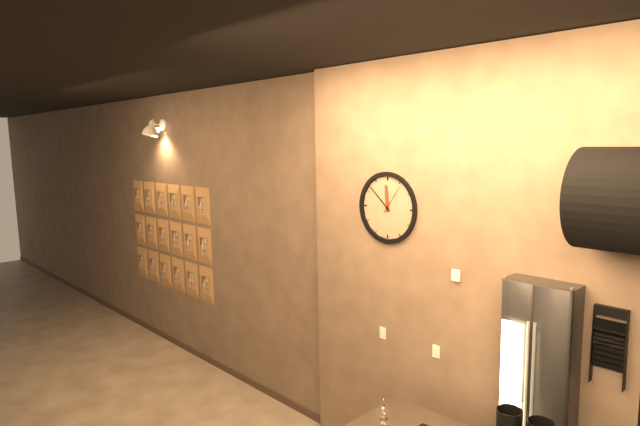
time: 11:52
